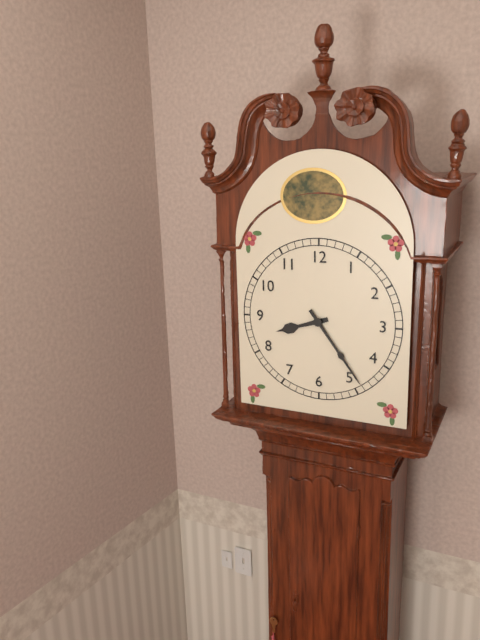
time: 8:24
